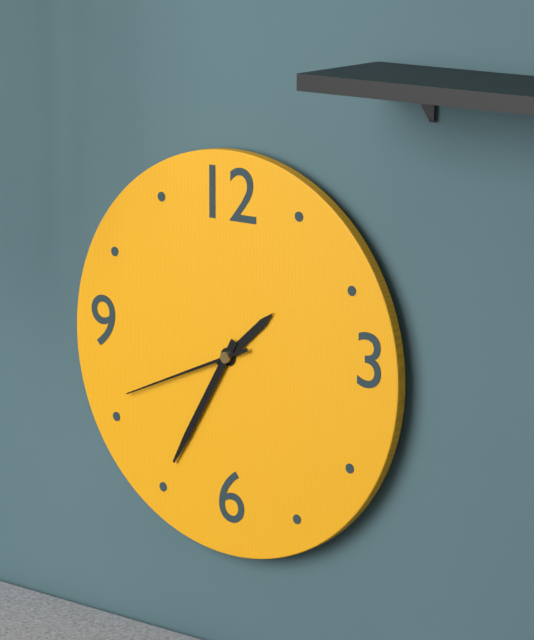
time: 1:35:41
